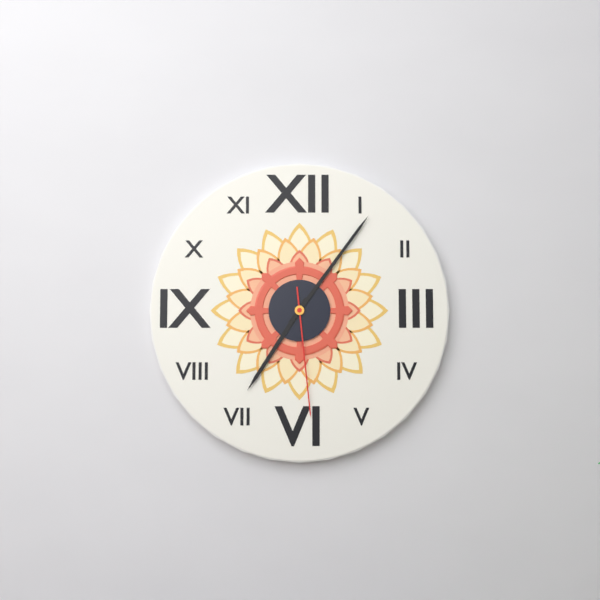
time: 7:06:29
